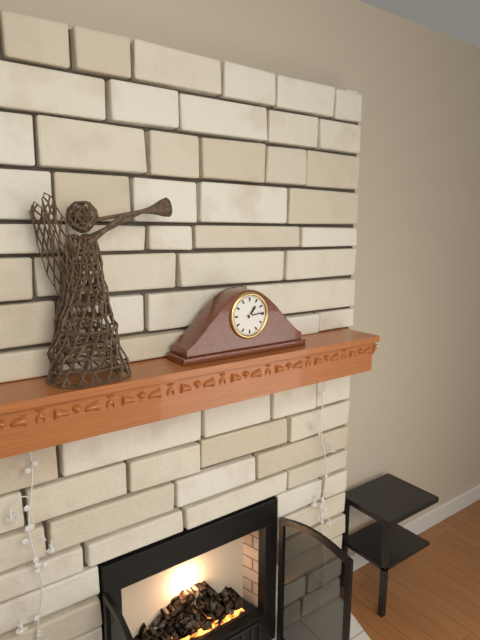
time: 1:14
